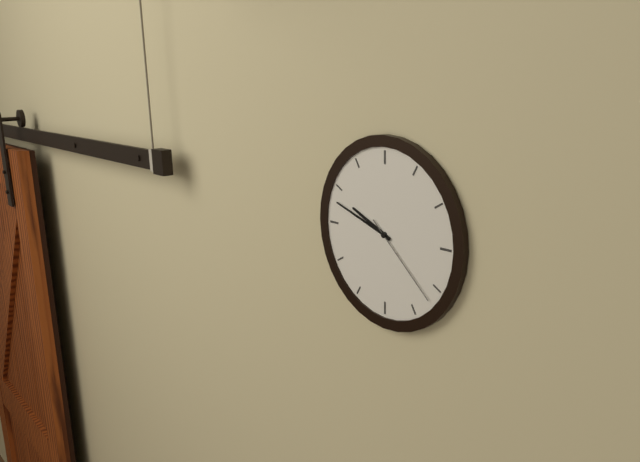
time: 9:48:22
